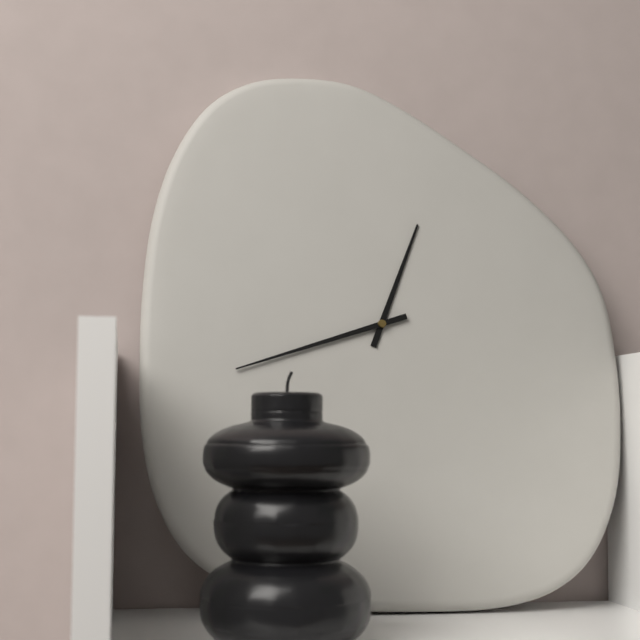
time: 12:42
